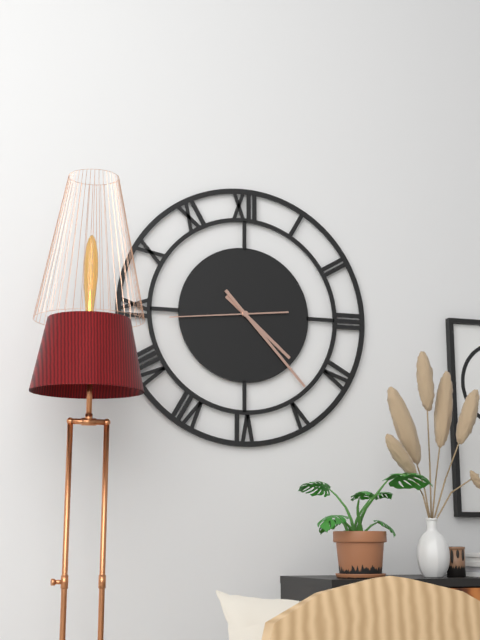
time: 4:23:44
